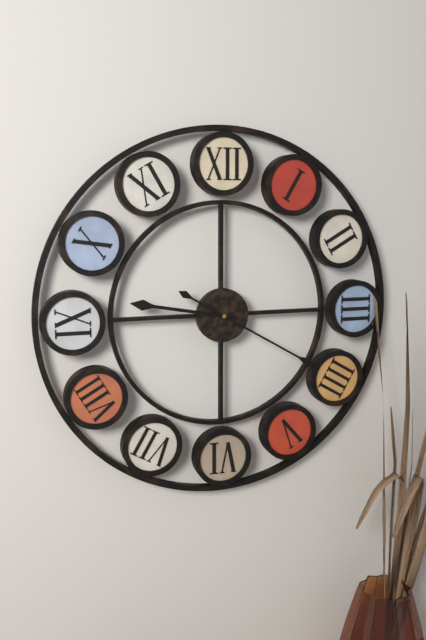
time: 9:20
